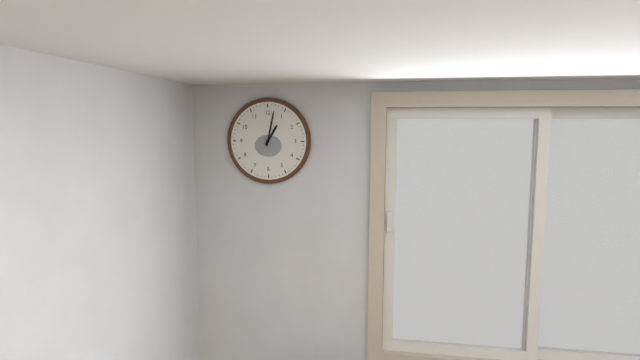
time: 1:02
